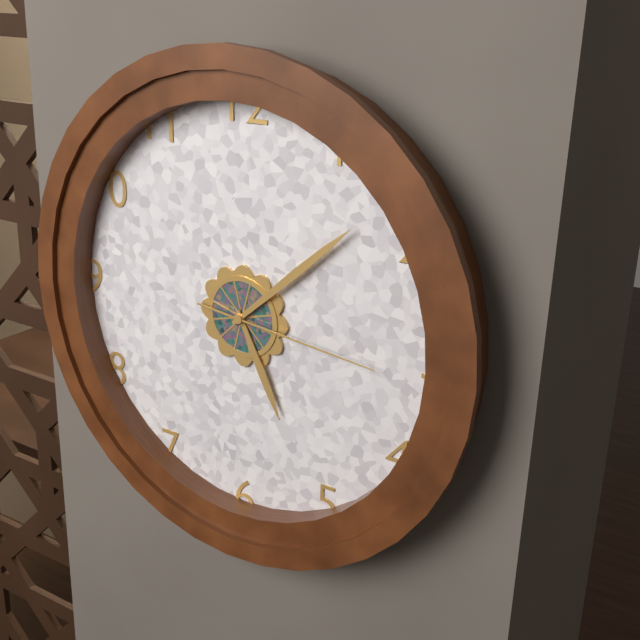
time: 5:08:16
